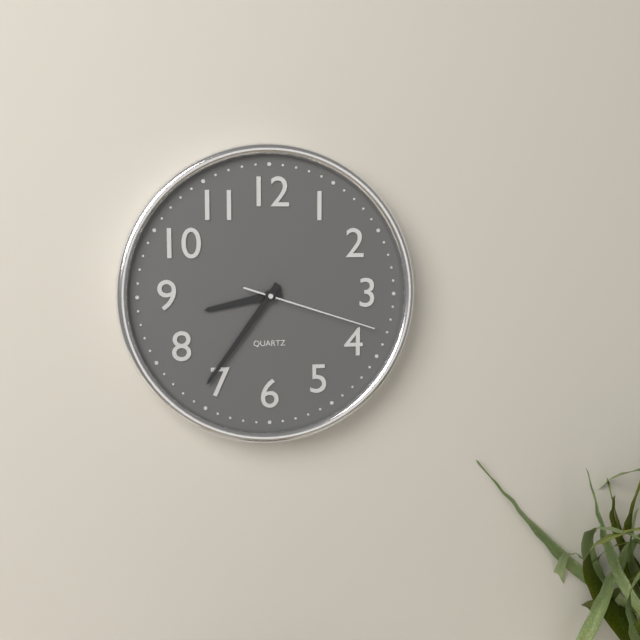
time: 8:36:18
